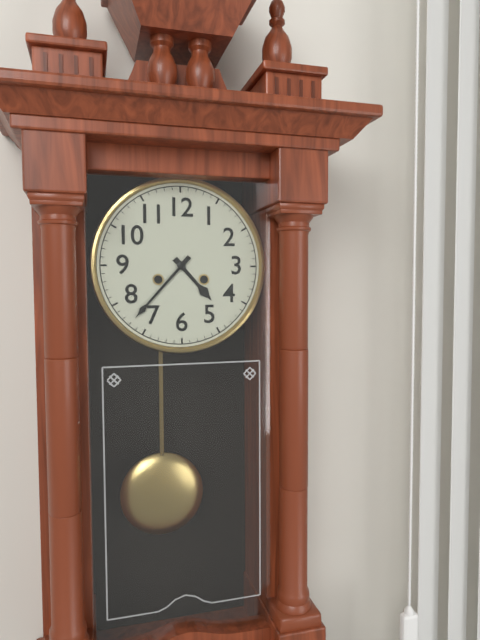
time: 4:37
